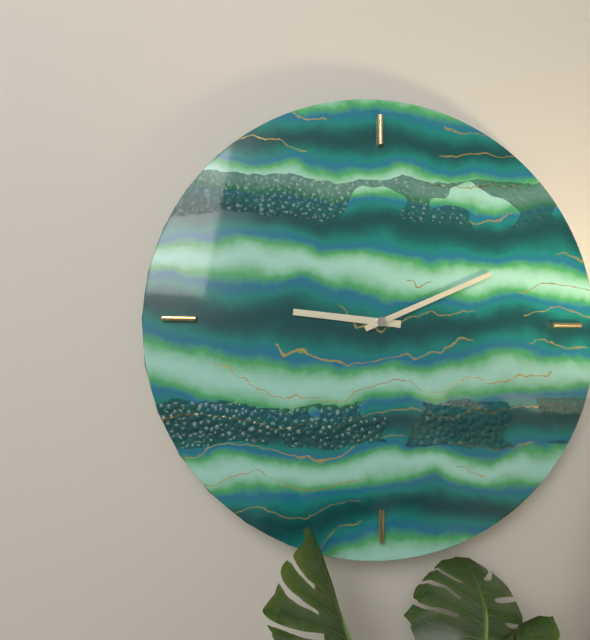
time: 9:11
